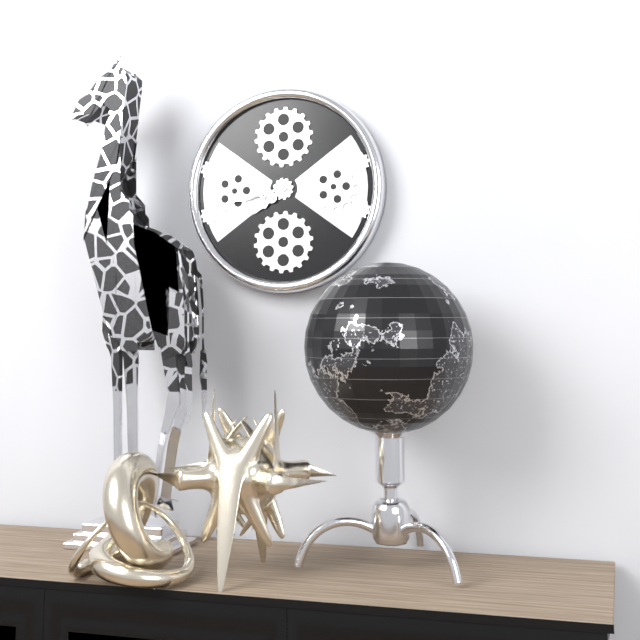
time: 7:43
